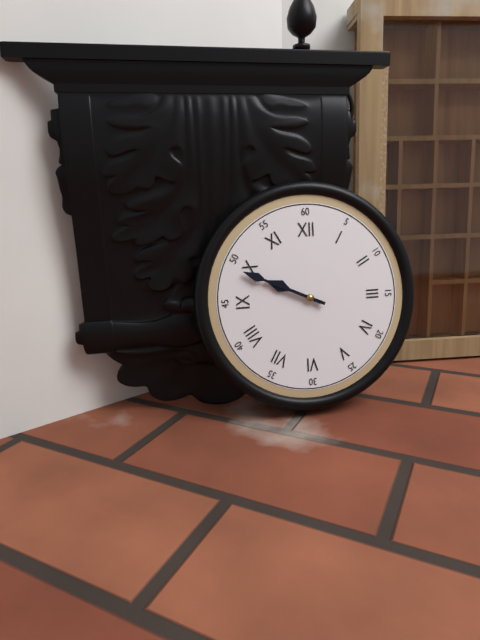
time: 9:49
